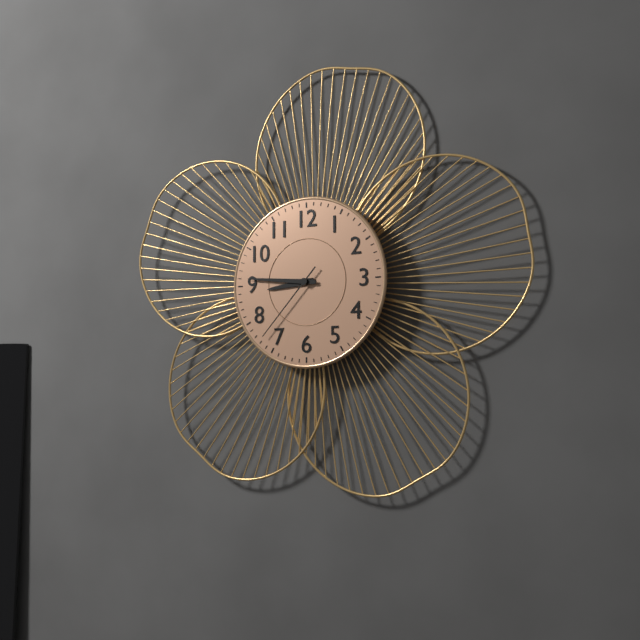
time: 8:46:37
